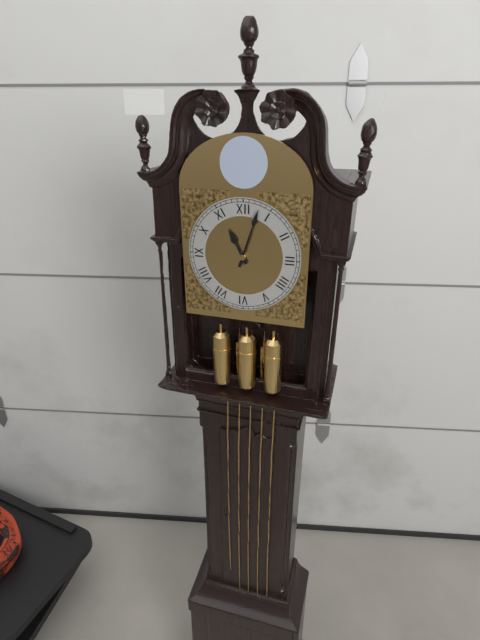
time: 11:03
